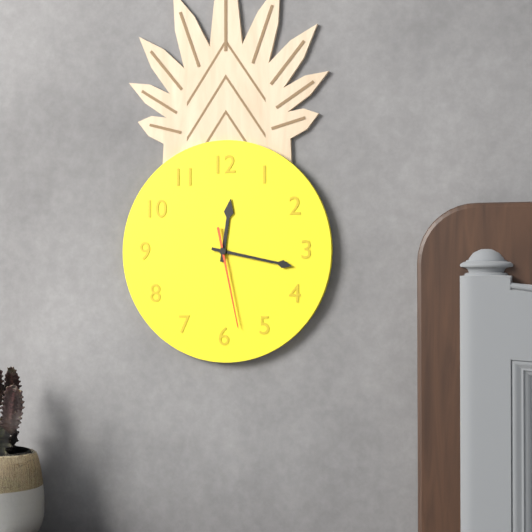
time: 12:17:28
